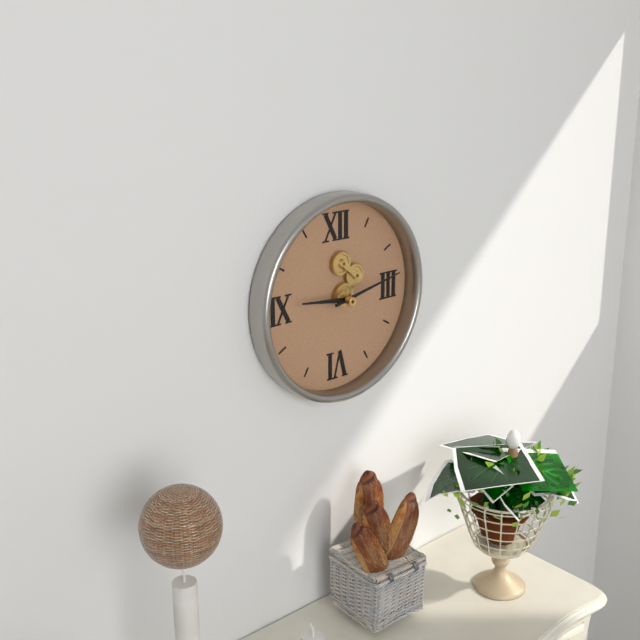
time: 9:13
